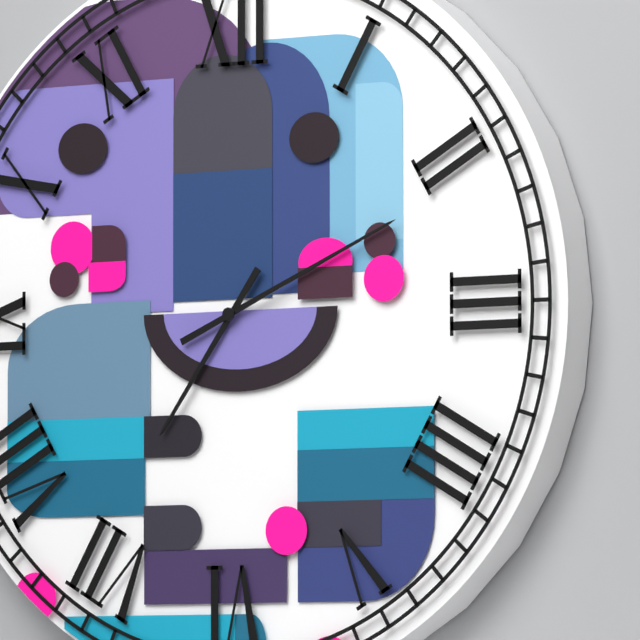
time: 7:11
